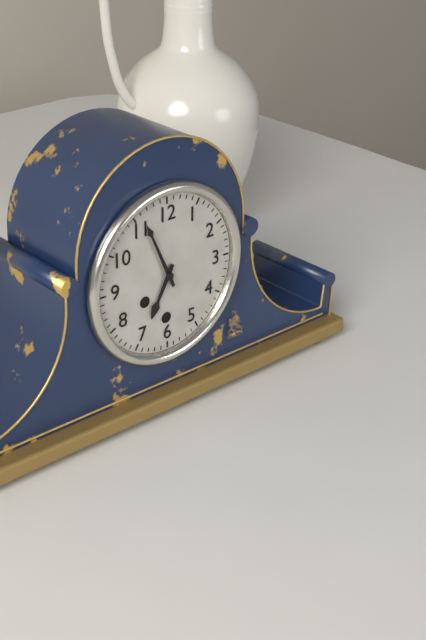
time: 6:56
